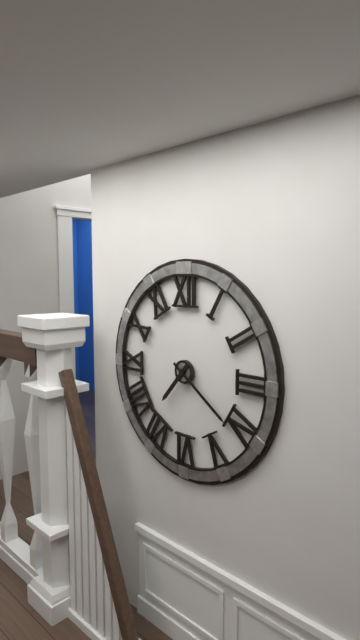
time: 7:21
